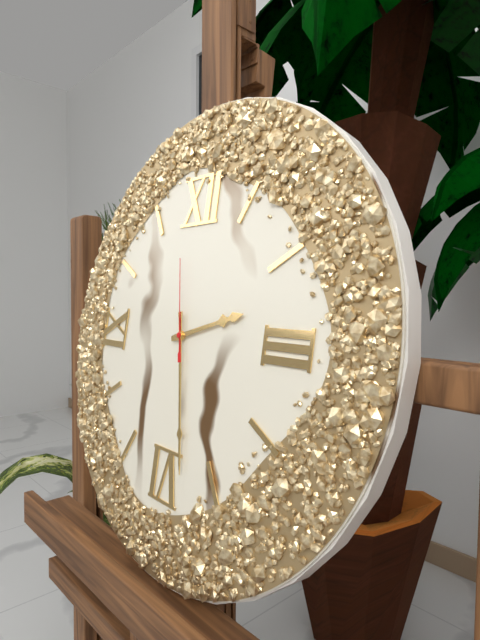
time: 2:28:58
